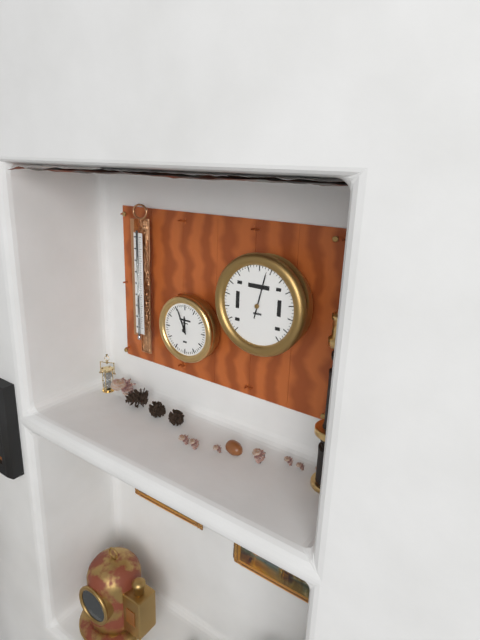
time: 11:56
